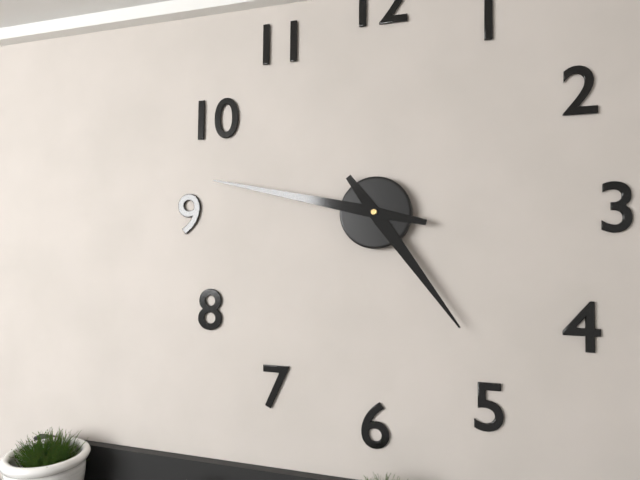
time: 4:47
